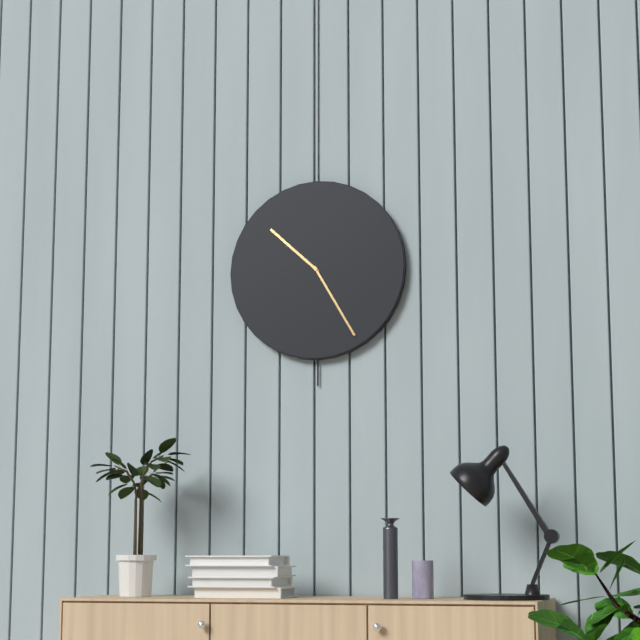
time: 10:25
